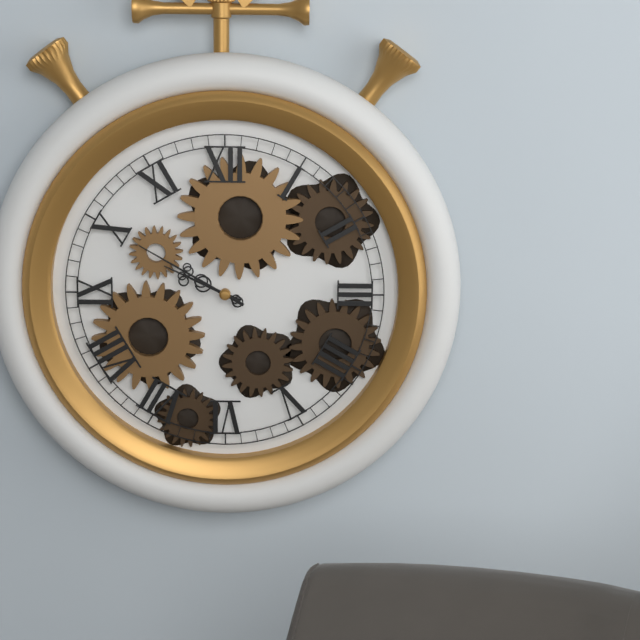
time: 9:50
